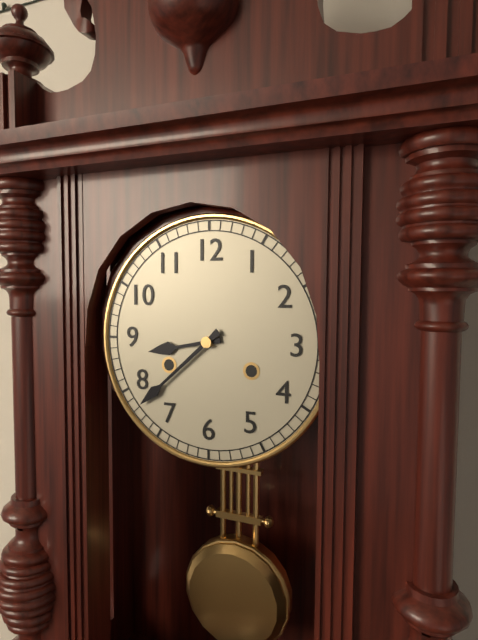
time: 8:38
